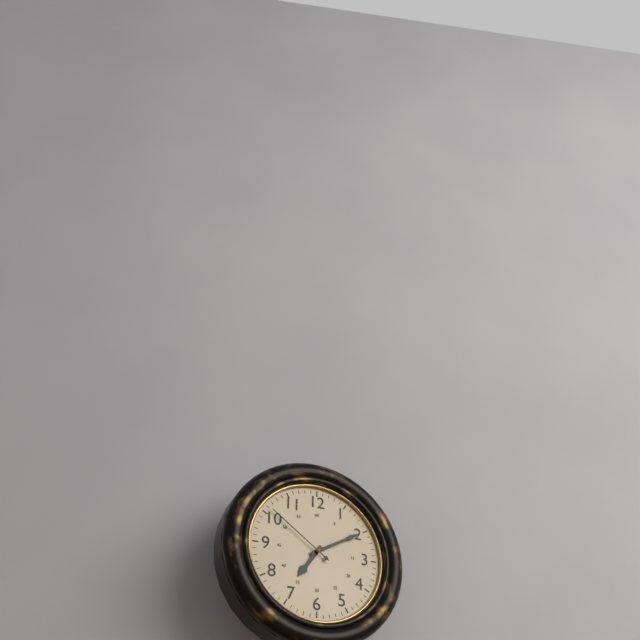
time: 7:10:51
